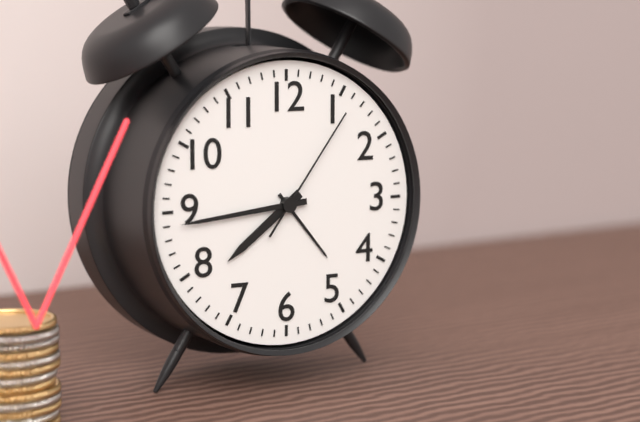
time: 7:44:06
